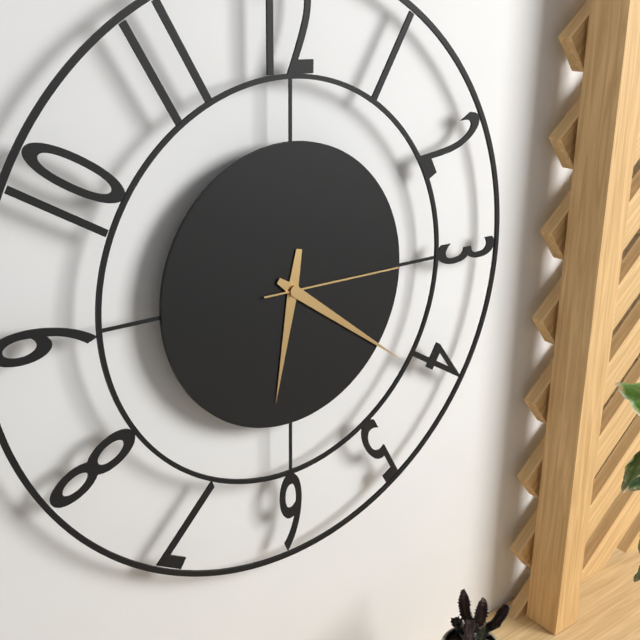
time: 6:21:15
